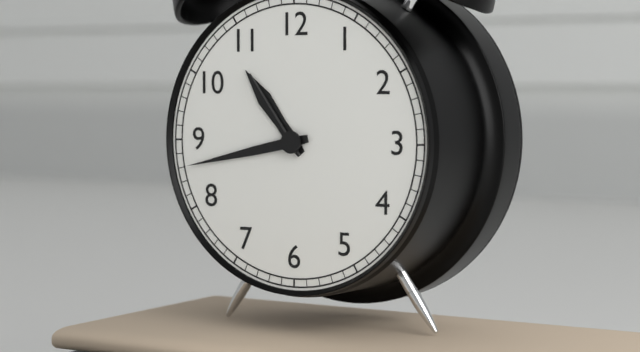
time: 10:43:54
